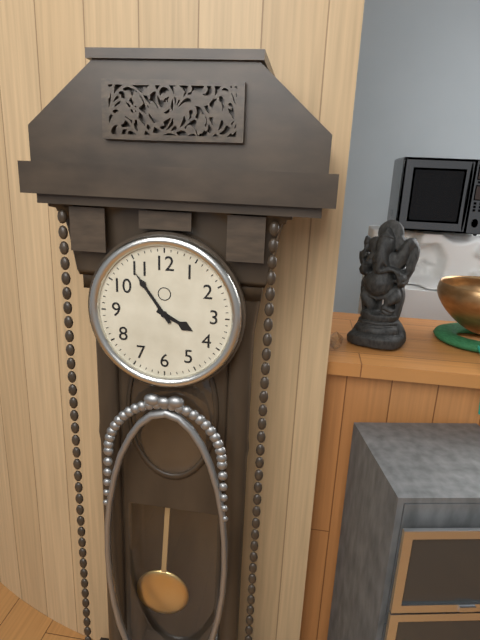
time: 3:54
